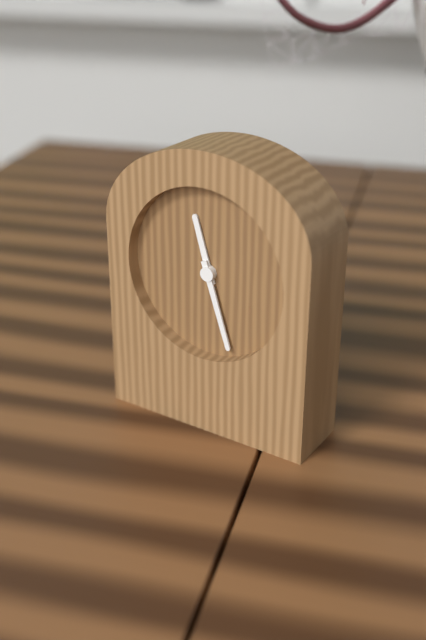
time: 11:27
